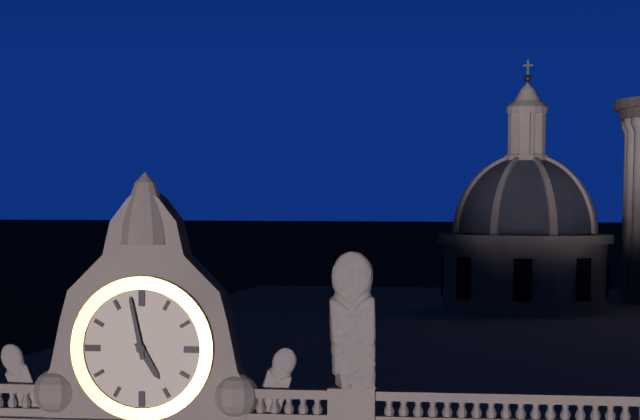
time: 4:58
